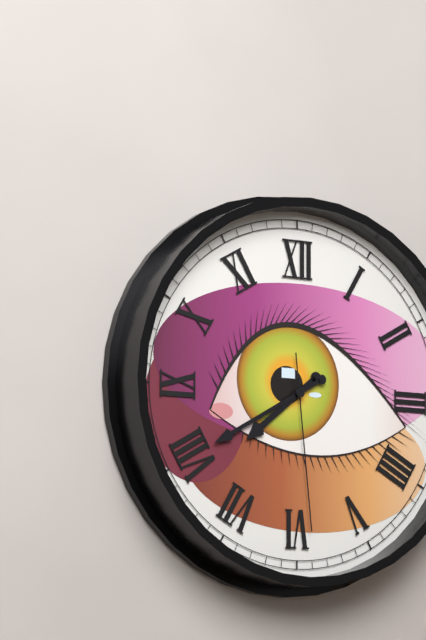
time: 7:40:29
